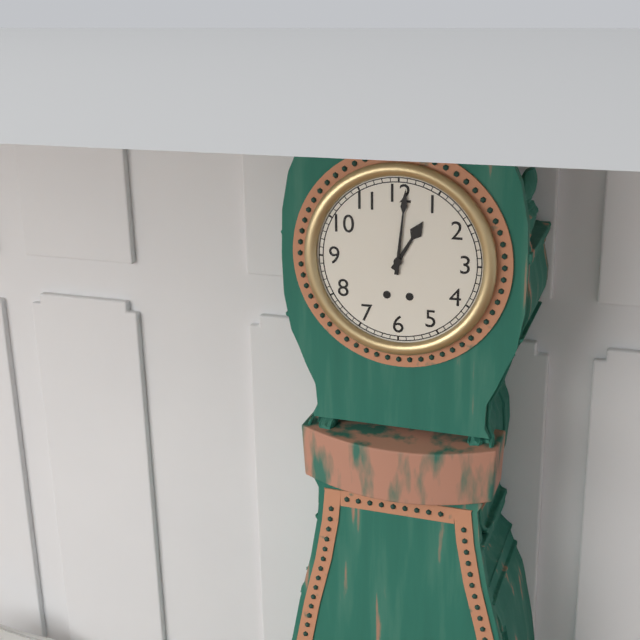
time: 1:01
